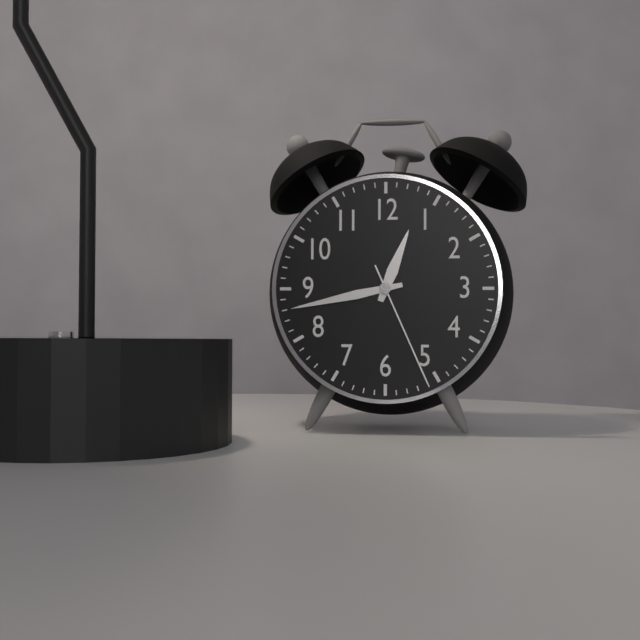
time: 12:43:26
